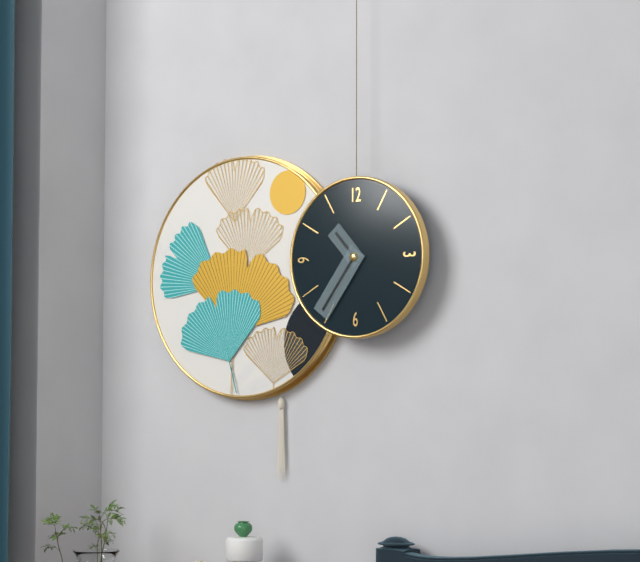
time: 10:36
